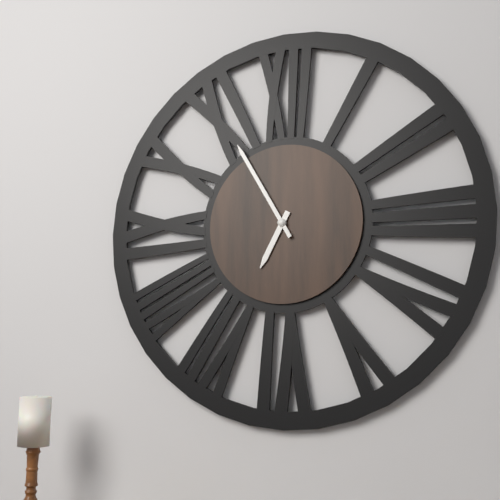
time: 6:55
